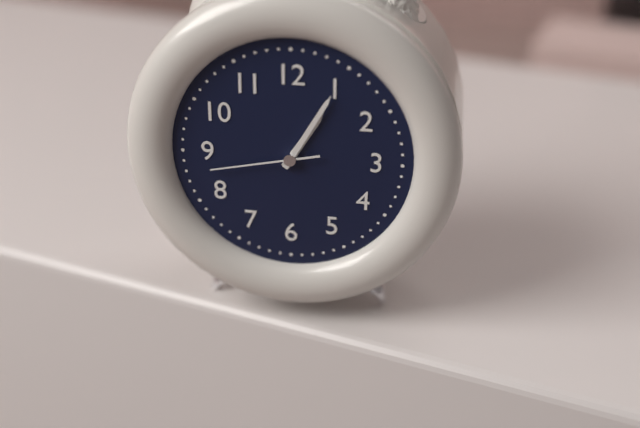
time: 1:05:43
